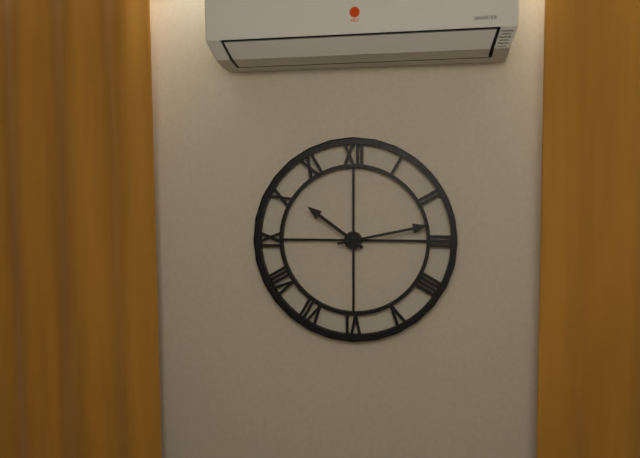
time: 10:13
